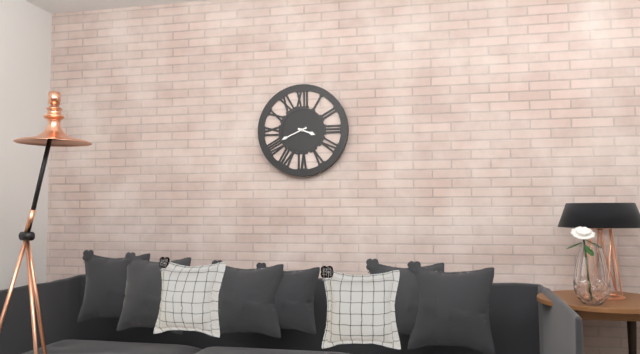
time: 3:41
